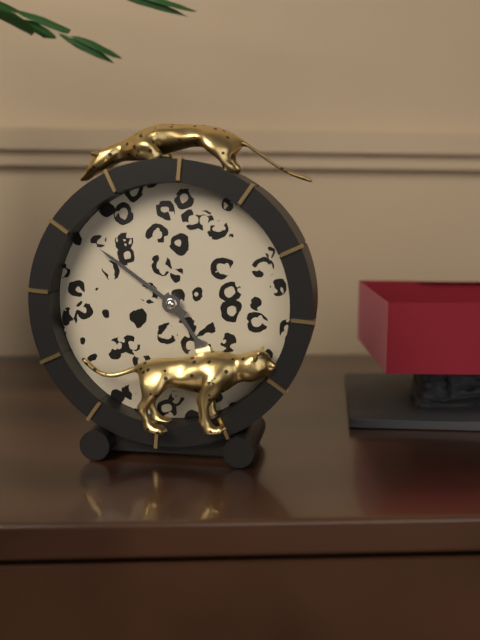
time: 4:51
